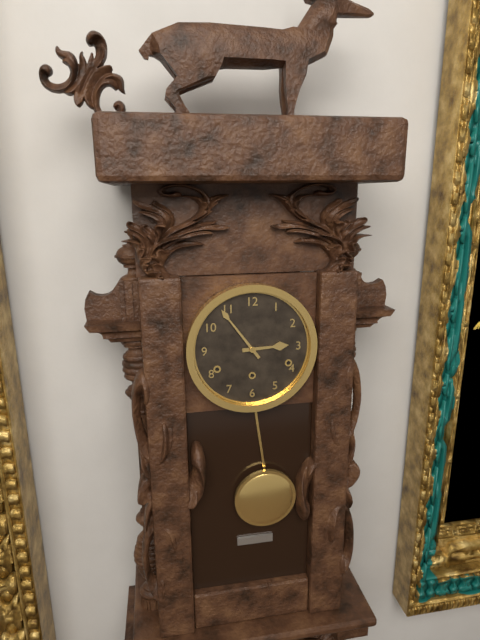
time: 2:54
